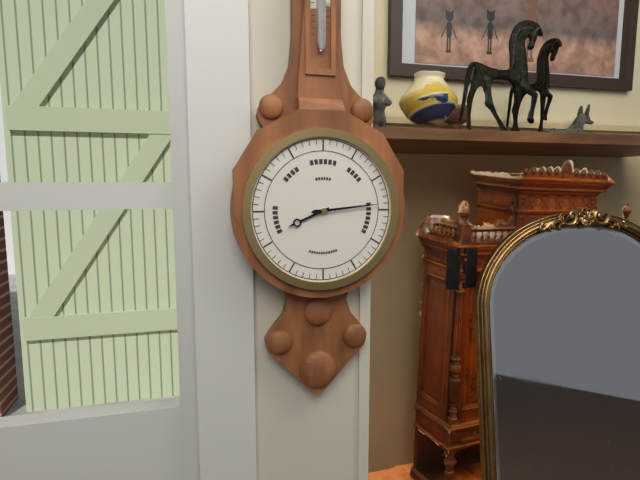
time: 8:14
